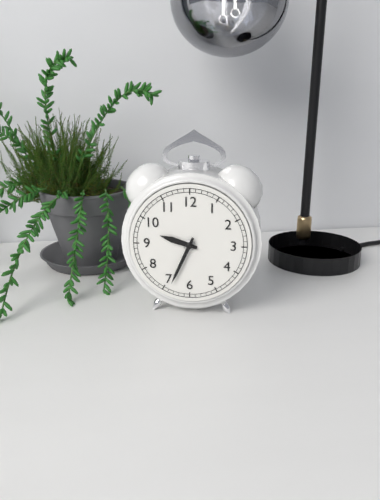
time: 9:34
